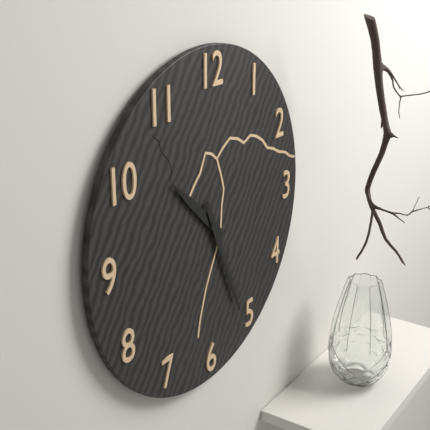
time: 10:26
